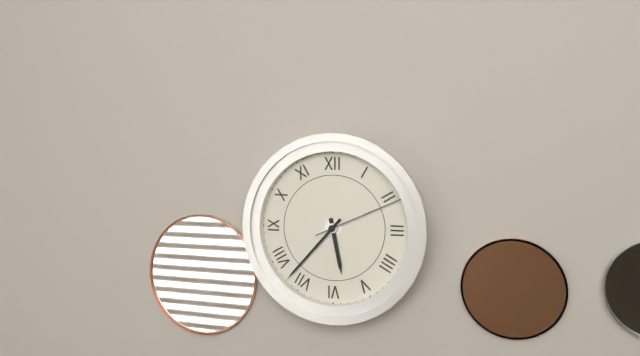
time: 5:37:11
